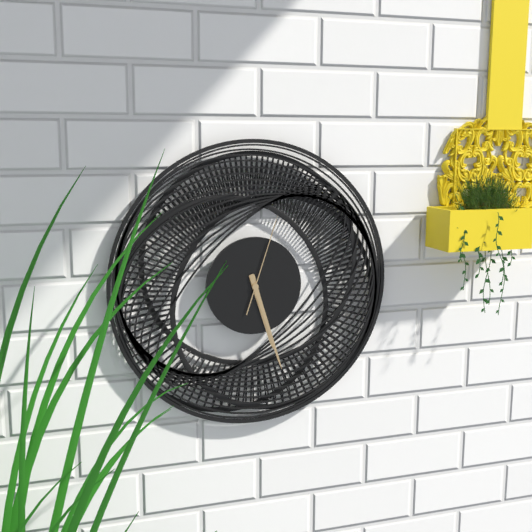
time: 5:27:03
